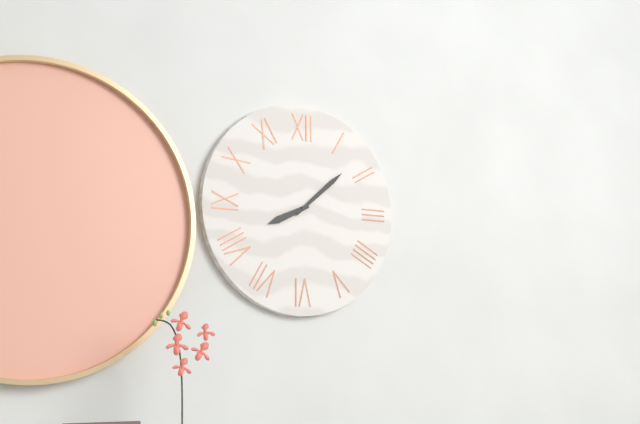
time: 8:08
